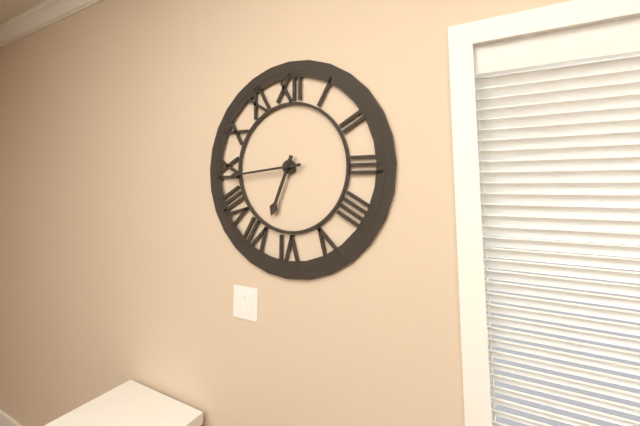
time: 6:44
